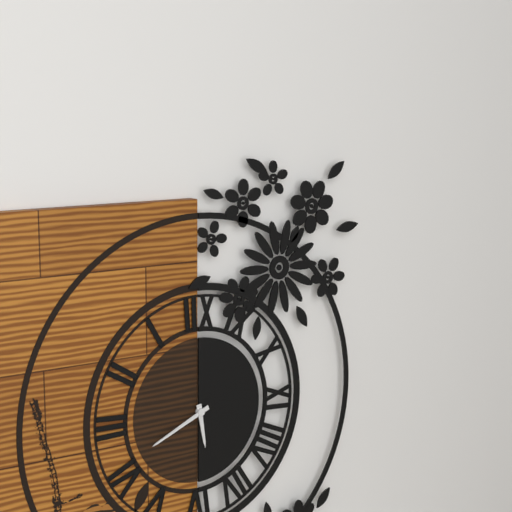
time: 5:41
